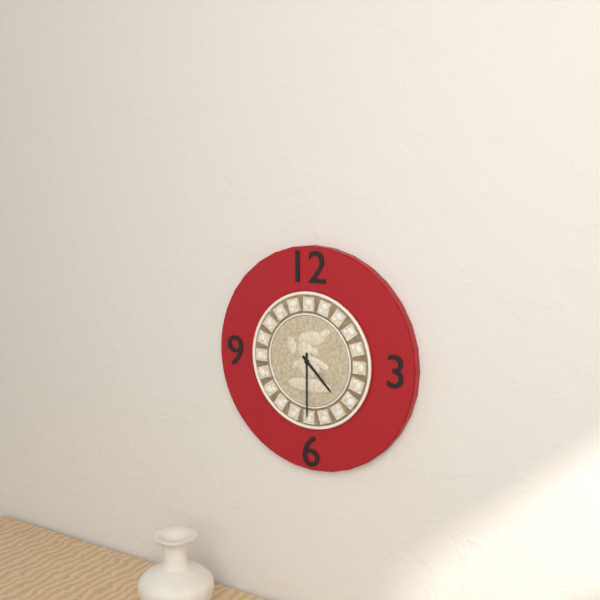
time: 4:30
